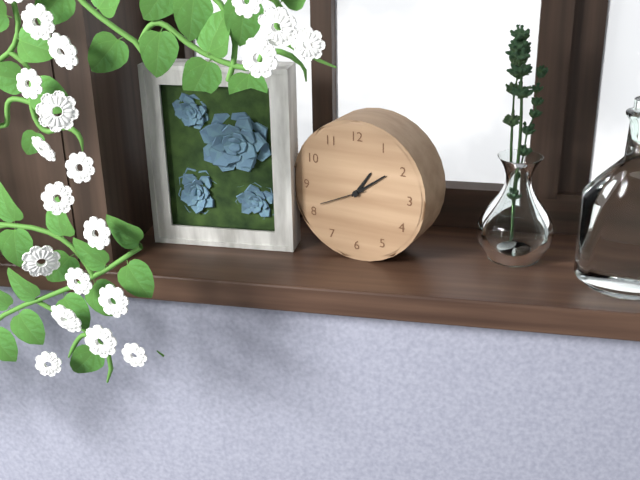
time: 1:09:41
